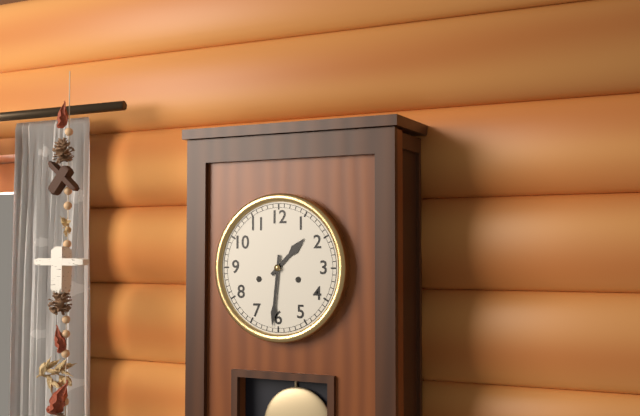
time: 1:31
